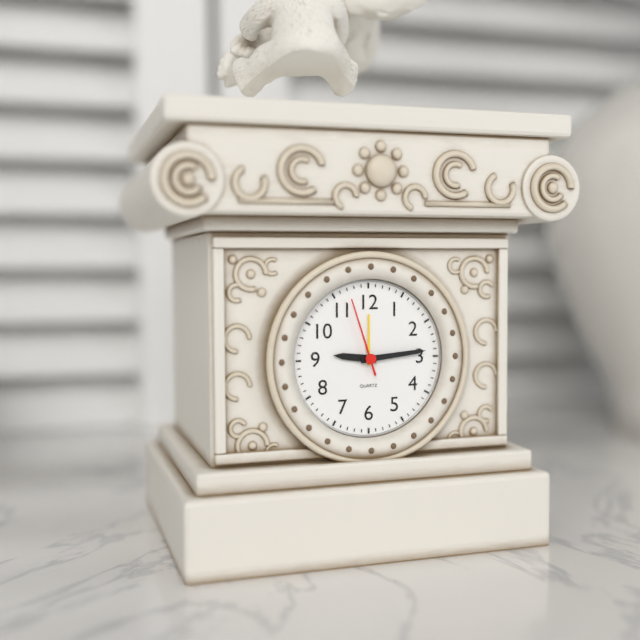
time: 9:14:57
